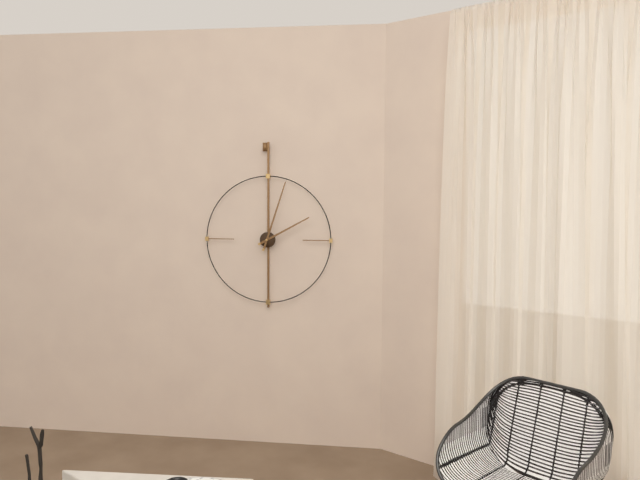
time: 2:03
